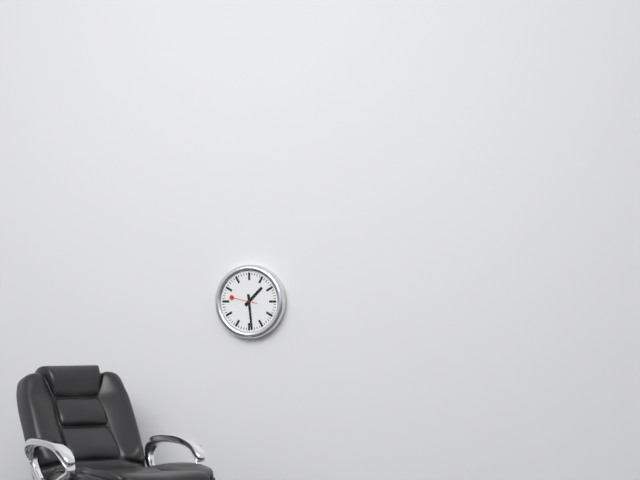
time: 1:29
